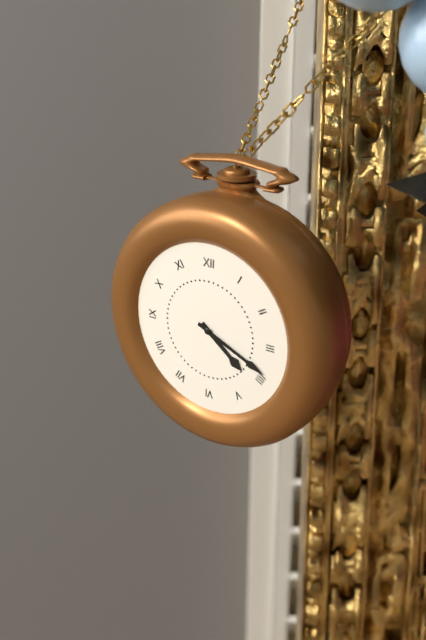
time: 4:19
